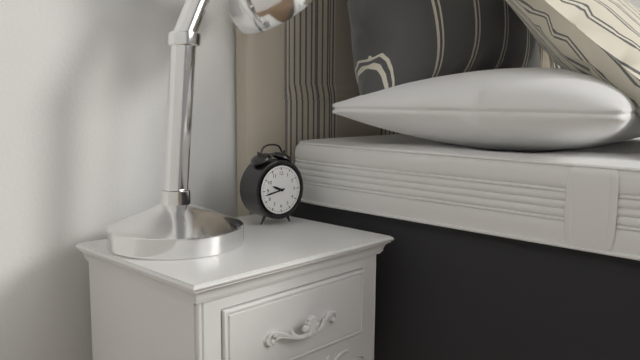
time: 9:43
